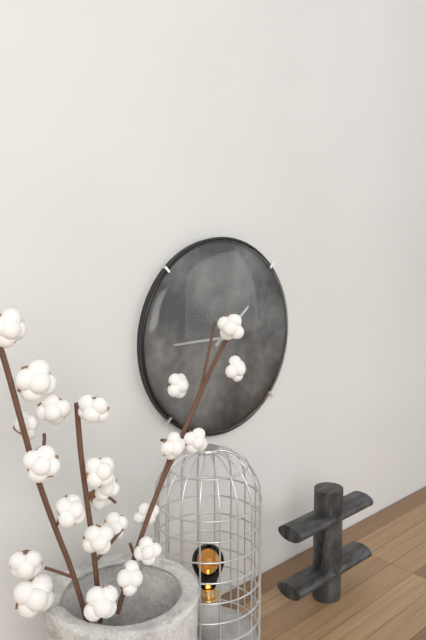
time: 1:45
